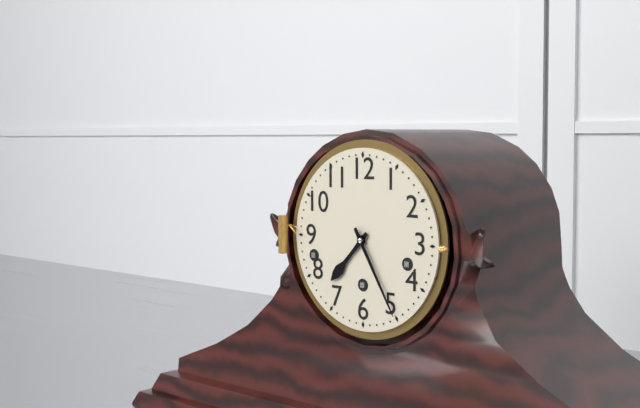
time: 7:25
